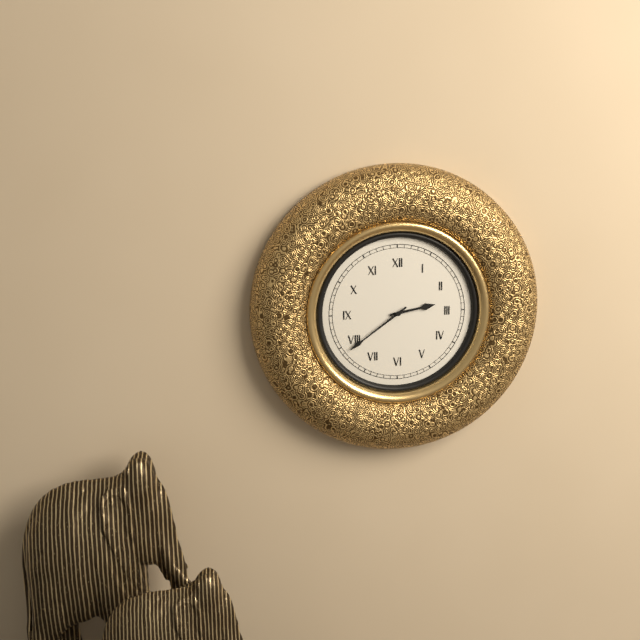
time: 2:39
